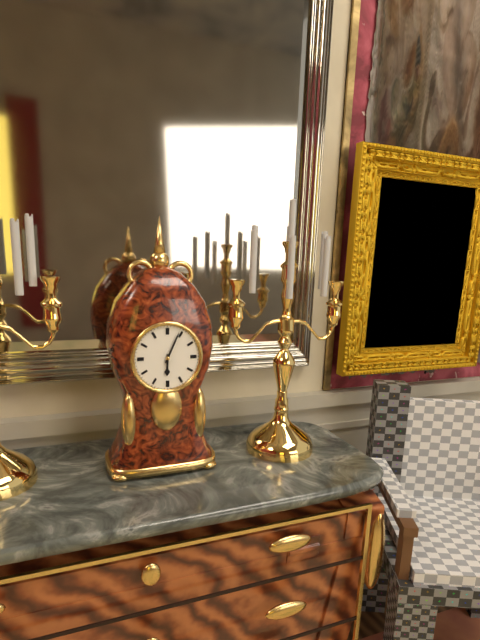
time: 6:04
